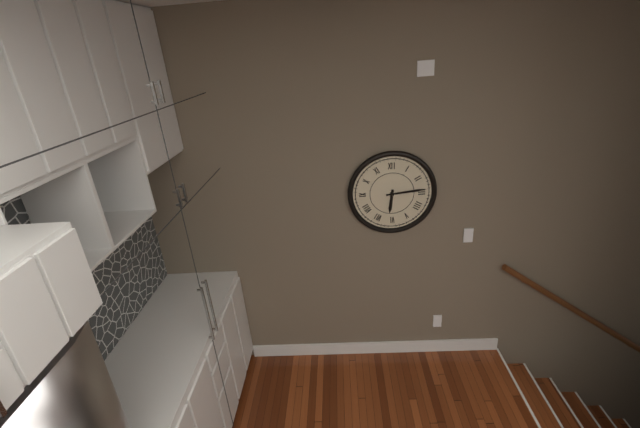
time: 6:14
